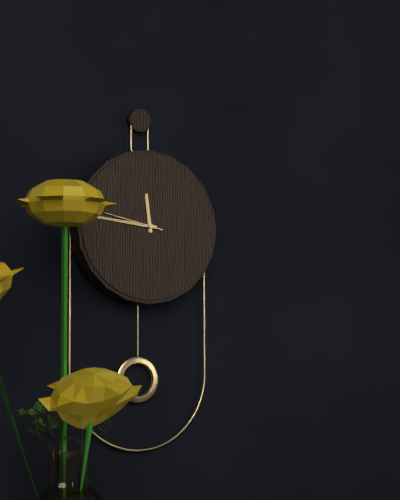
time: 11:46:47
